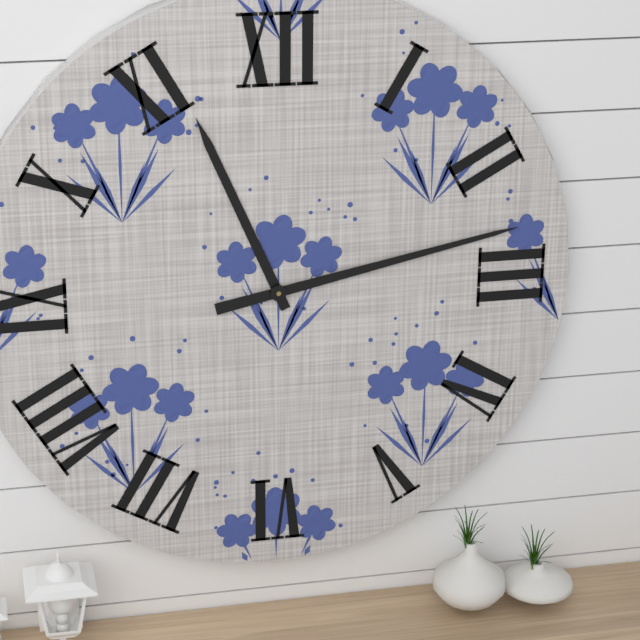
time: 11:13
